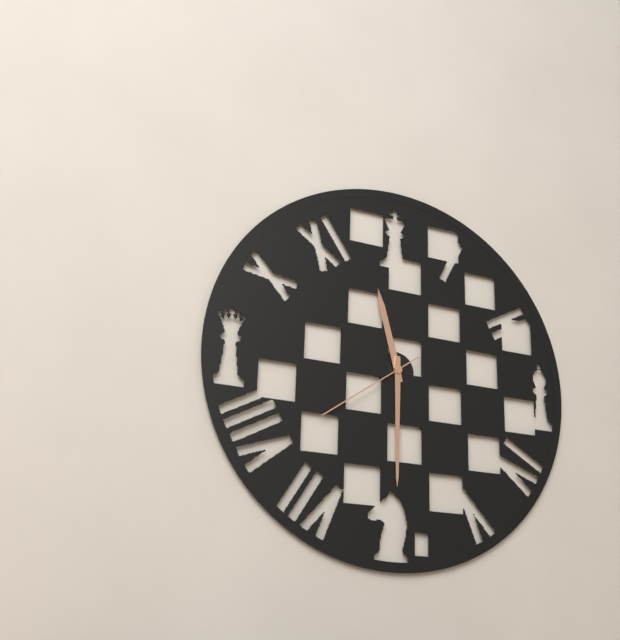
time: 11:30:39
